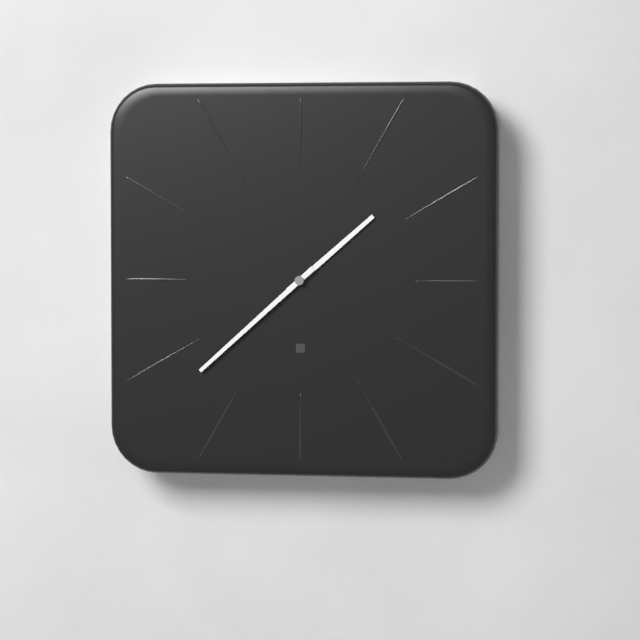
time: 1:38
